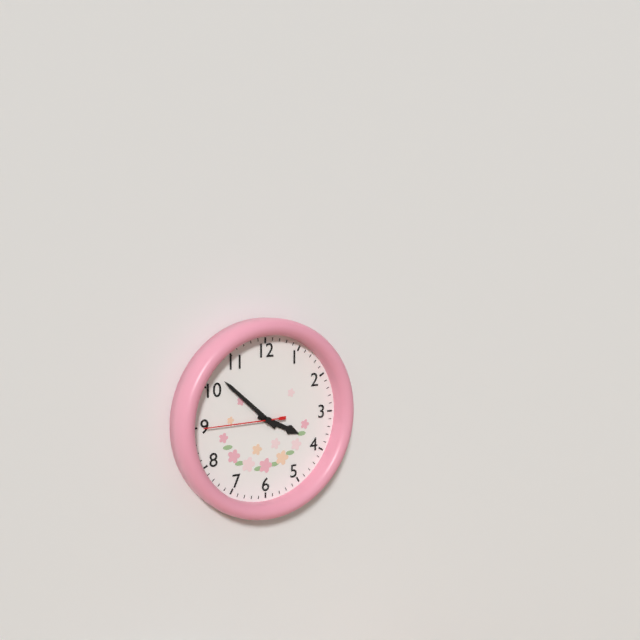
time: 3:52:45
